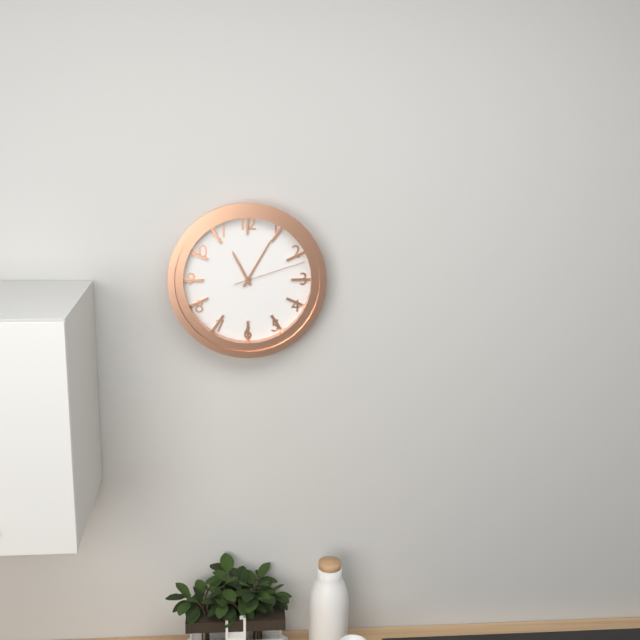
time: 11:05:12
